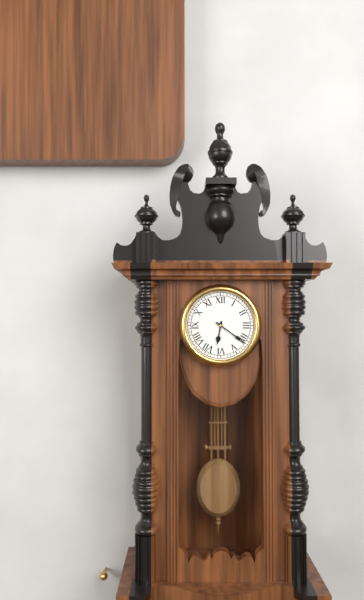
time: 6:21
